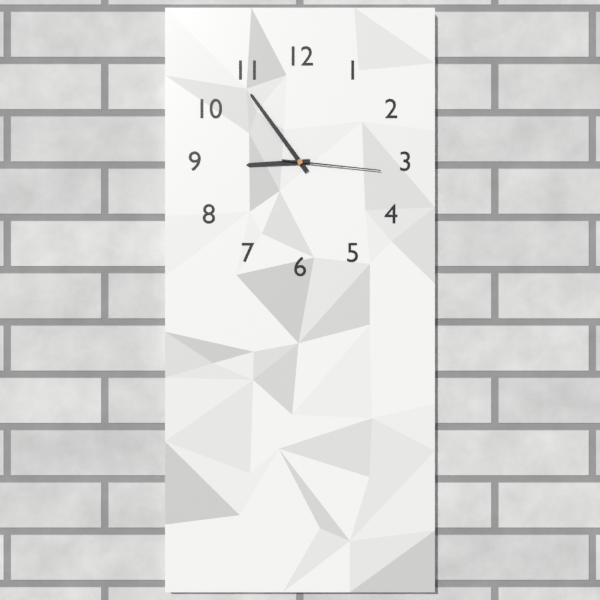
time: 8:54:16
